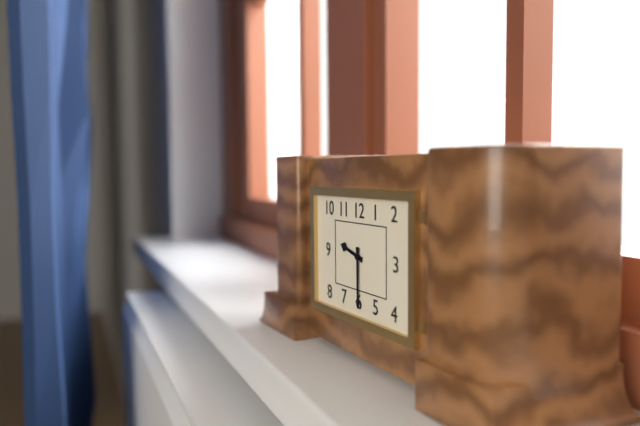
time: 9:30
